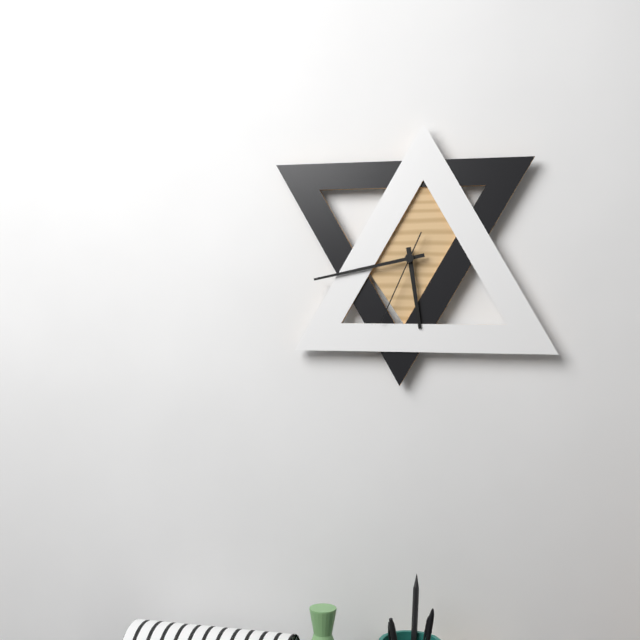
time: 5:43:34
